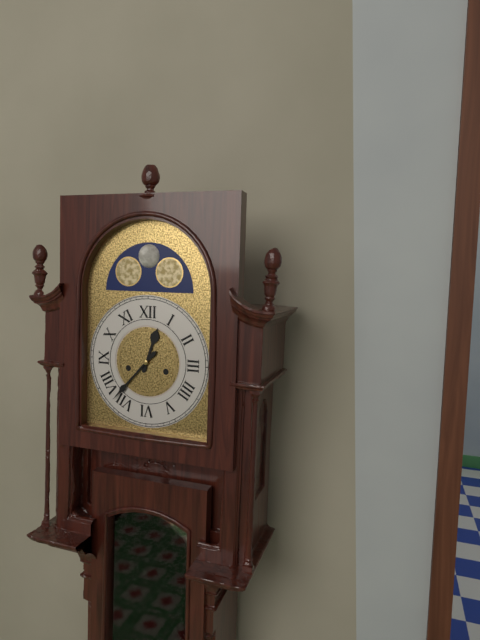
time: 12:37
